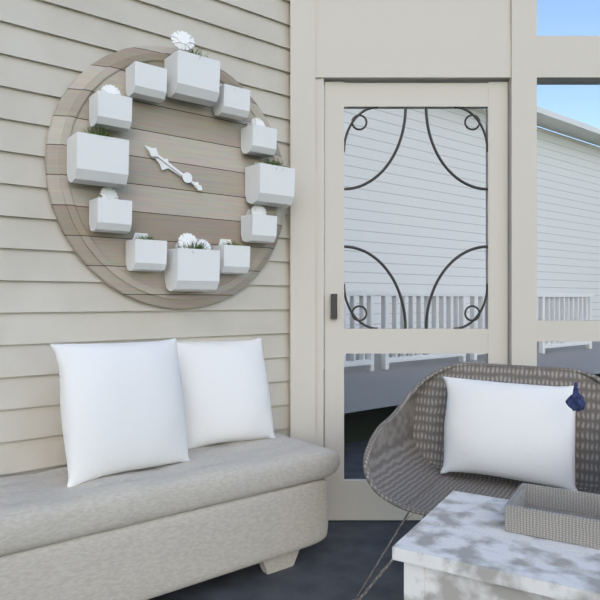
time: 9:50
